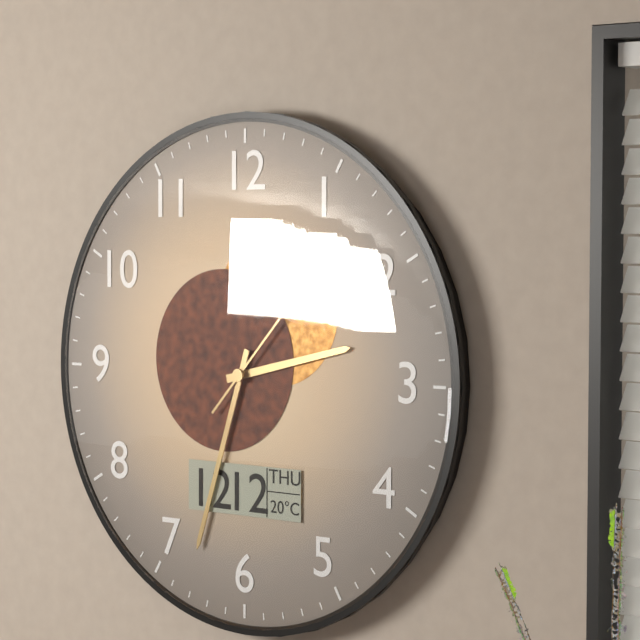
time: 2:33:07
